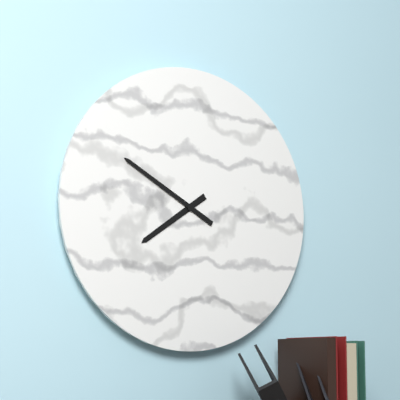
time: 7:50
